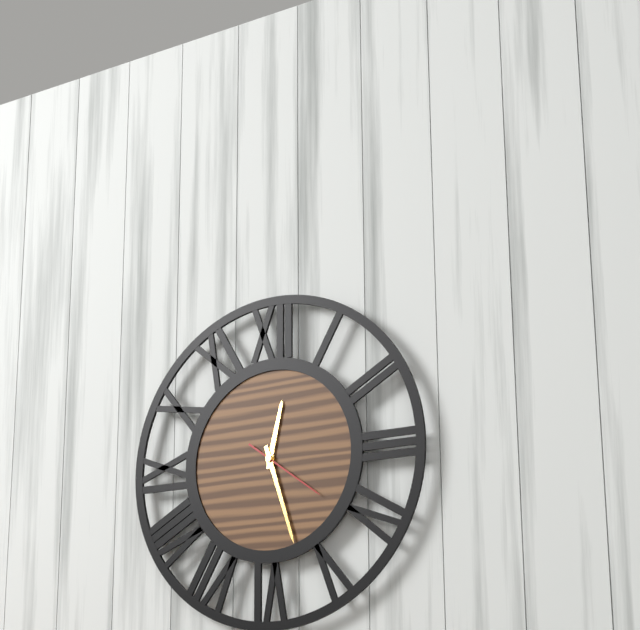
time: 12:27:21
